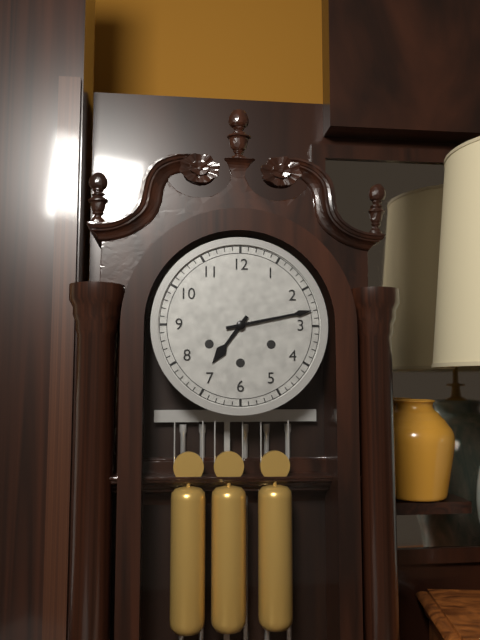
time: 7:13
